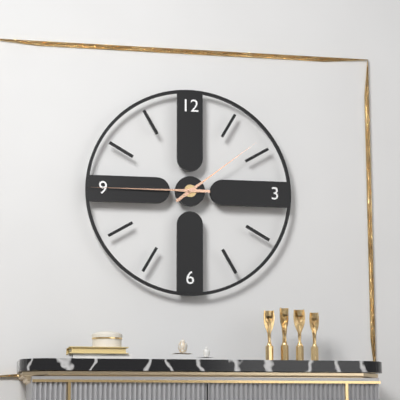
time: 1:45
